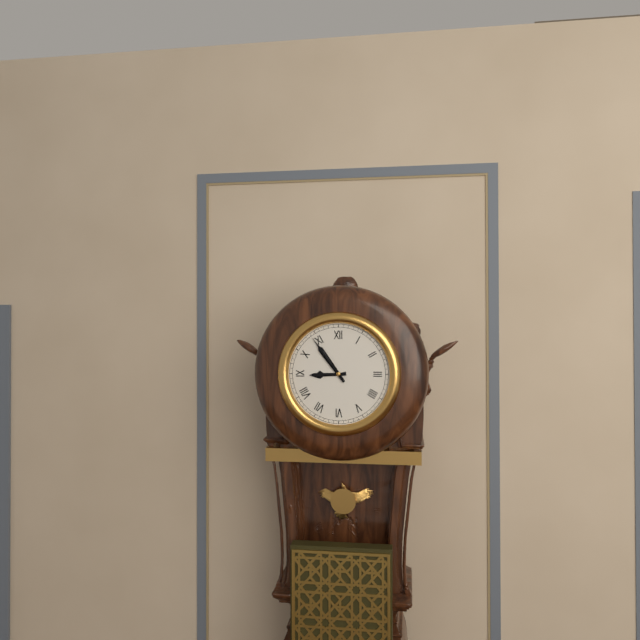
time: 8:54
